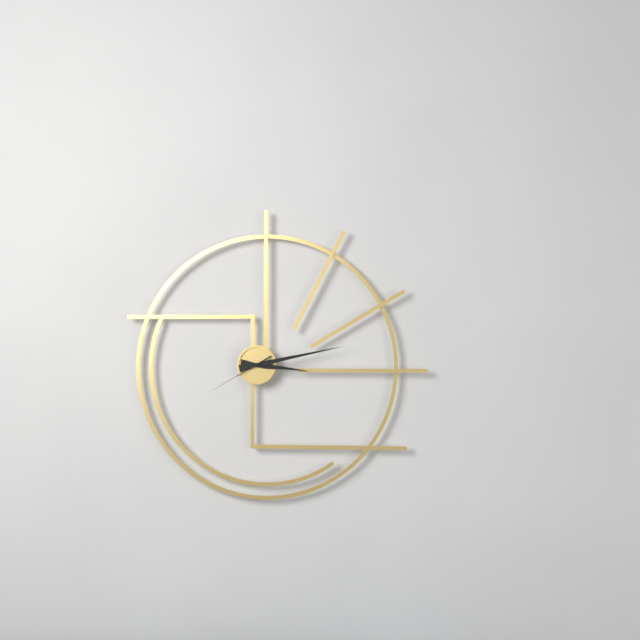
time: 3:13:40
